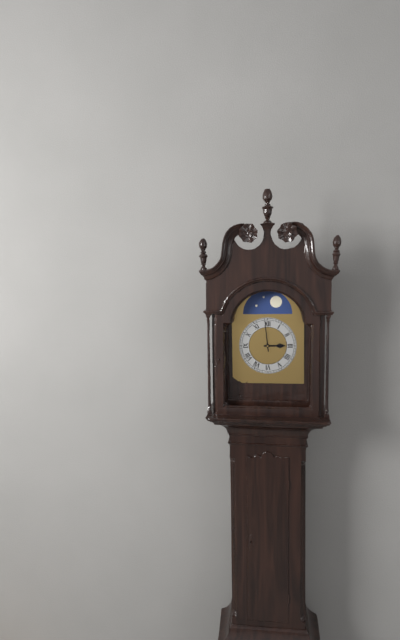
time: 2:59
